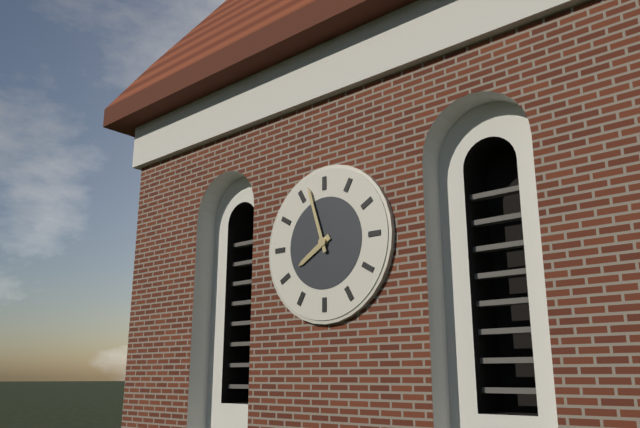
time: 7:57
